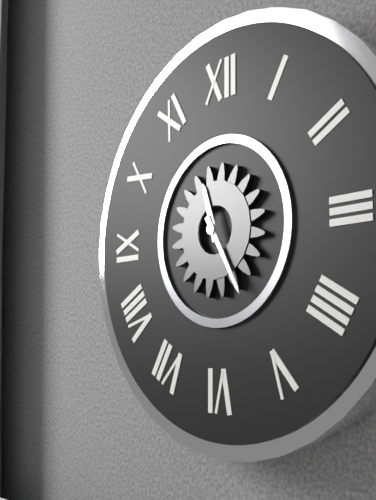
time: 11:25
